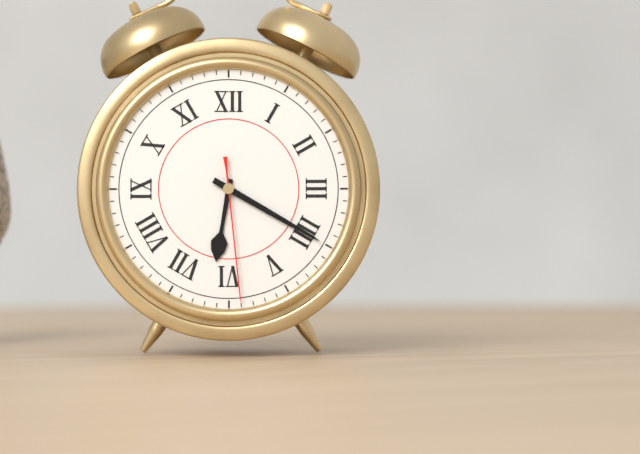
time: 6:20:29
